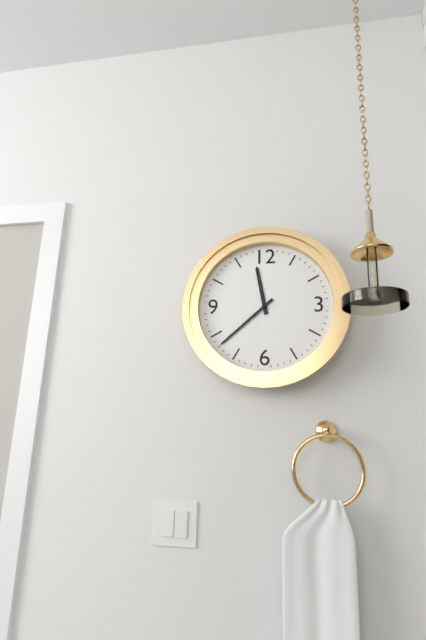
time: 11:38
